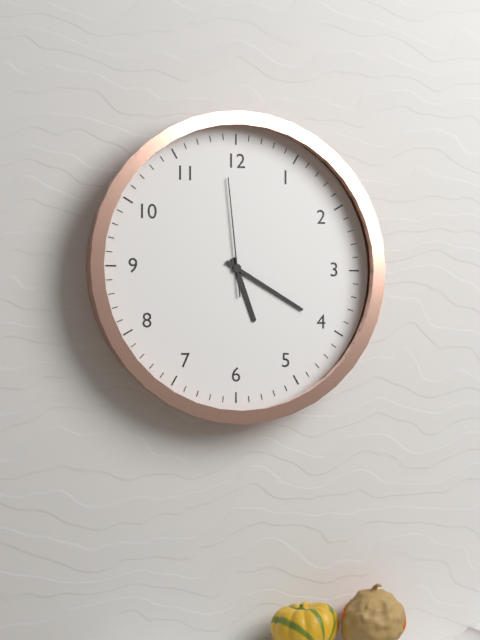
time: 5:20:59
